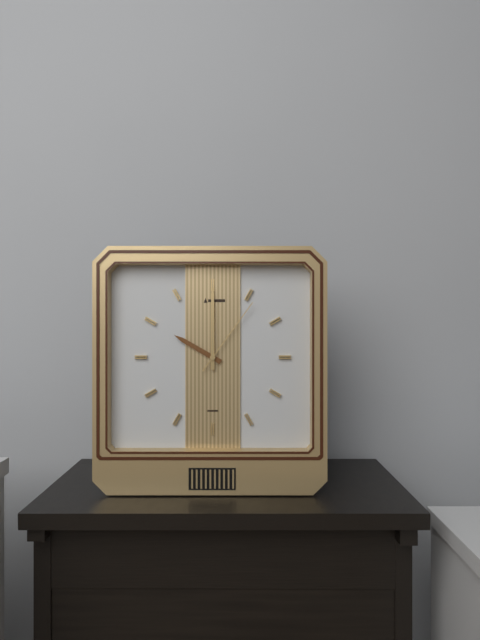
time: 10:00:06
